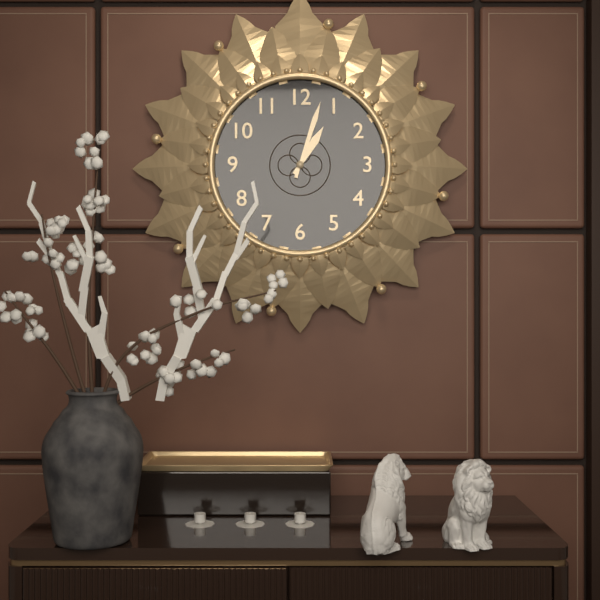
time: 1:03
